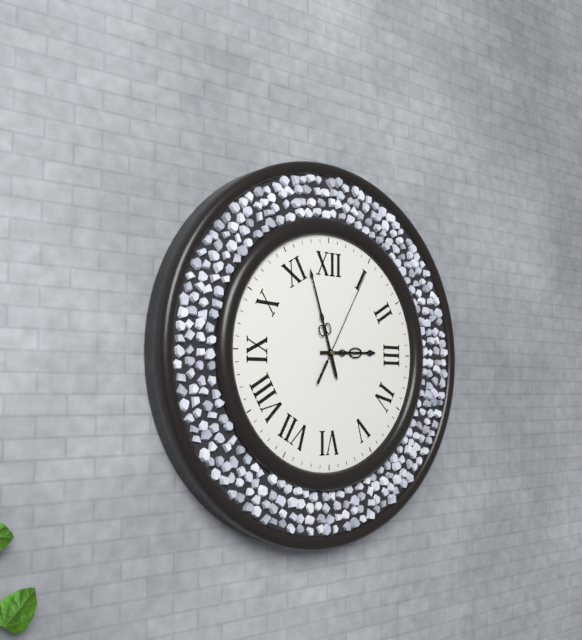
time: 2:57:05
